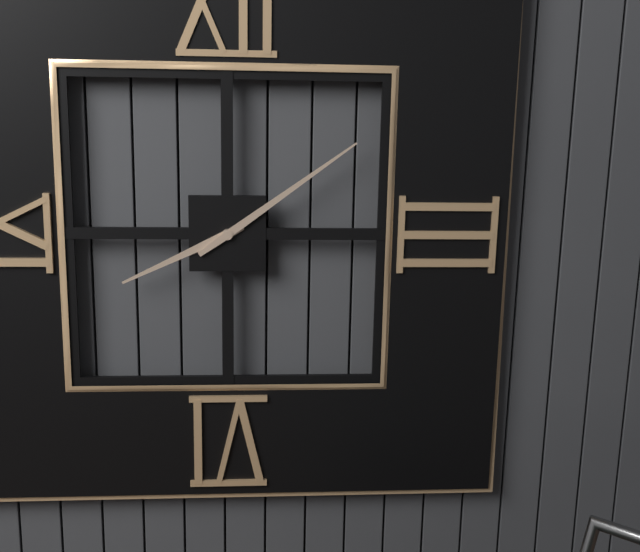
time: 8:09
